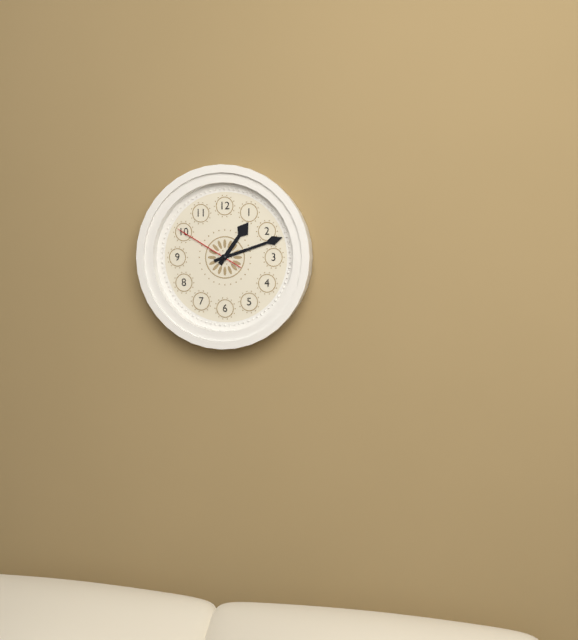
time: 1:12:50
